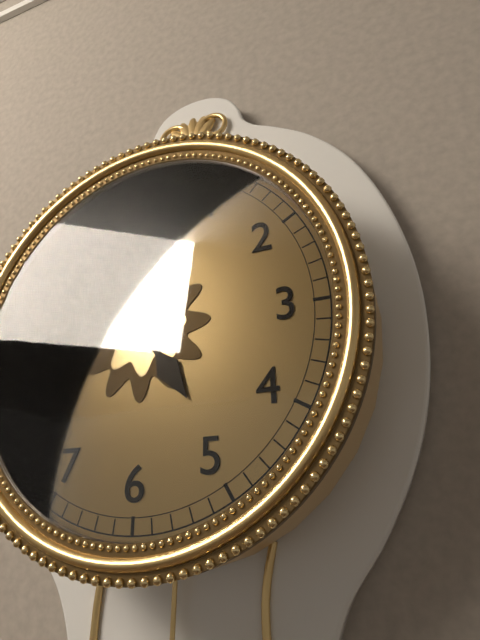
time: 4:51
